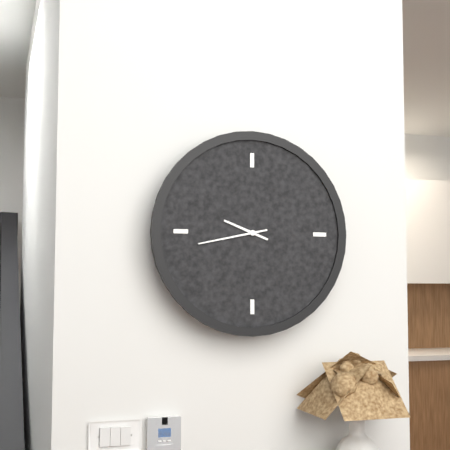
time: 9:43
